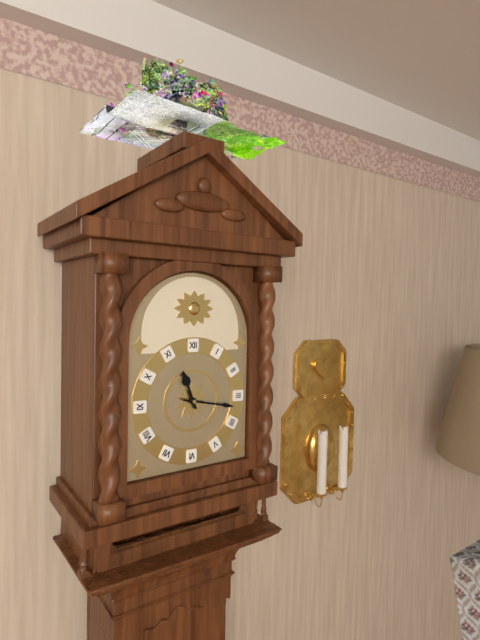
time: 11:17
